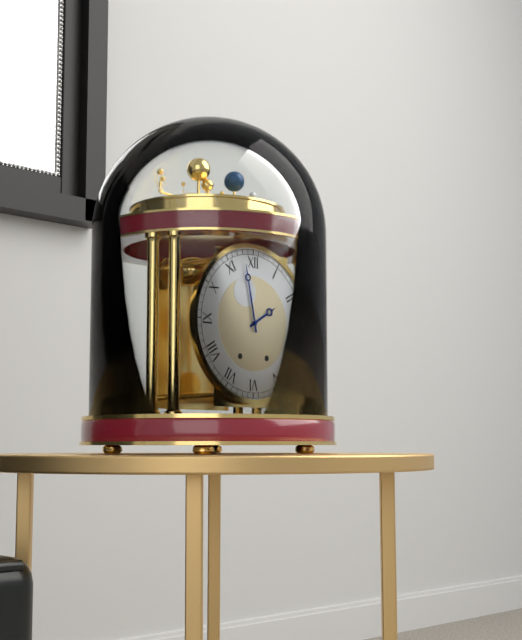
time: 1:58
